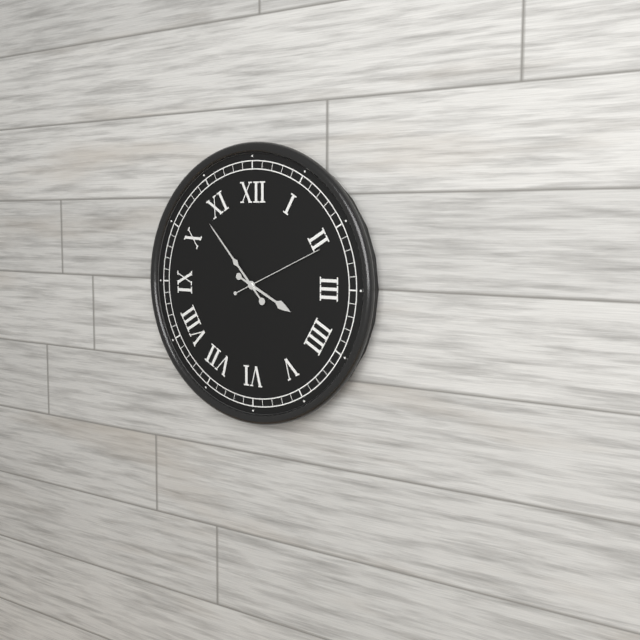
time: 3:53:11
